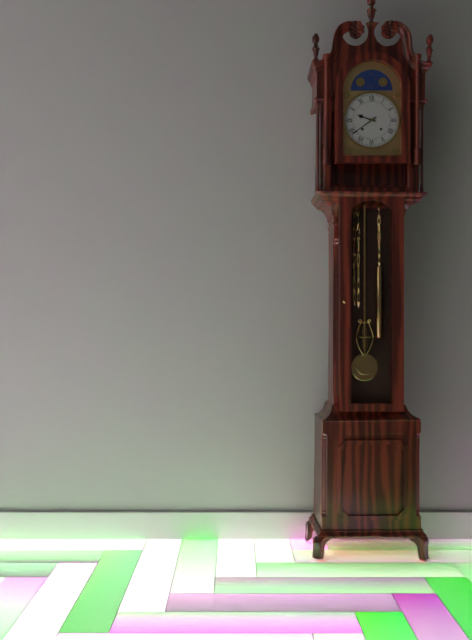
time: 9:39
